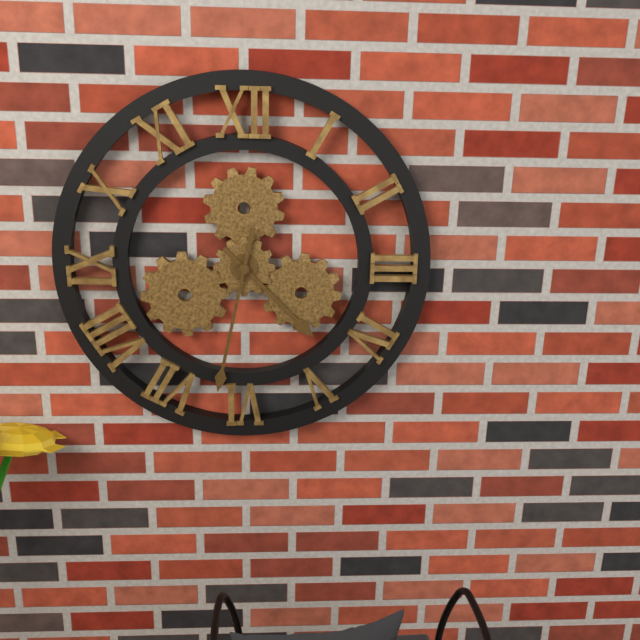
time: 4:32
